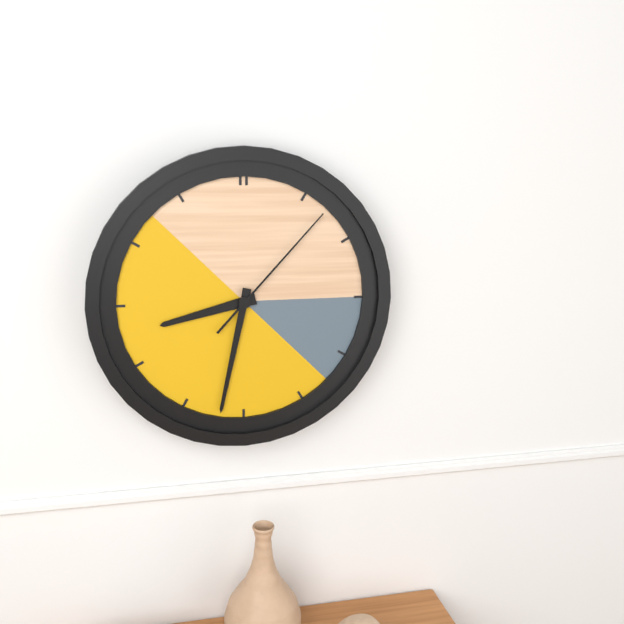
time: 8:32:07
